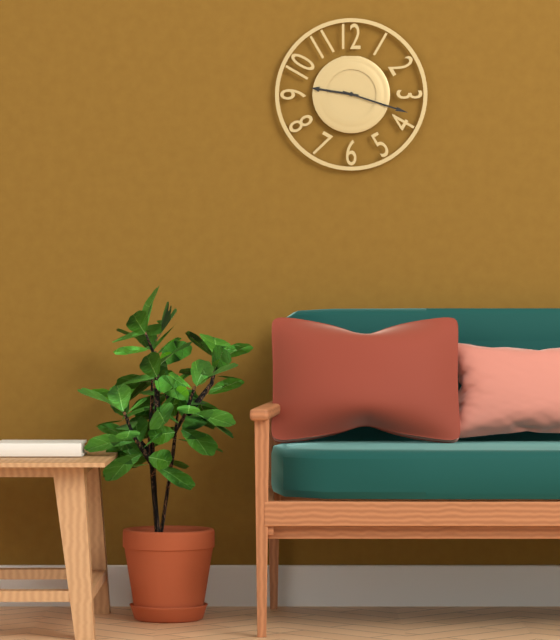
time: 9:18
